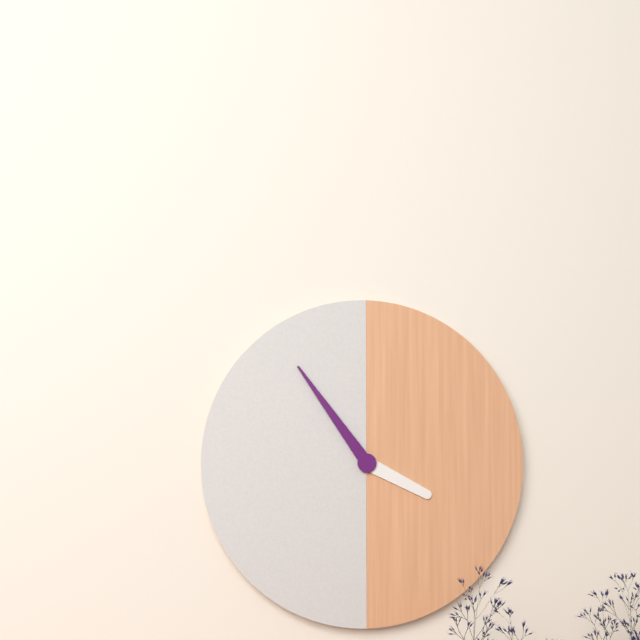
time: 3:54
